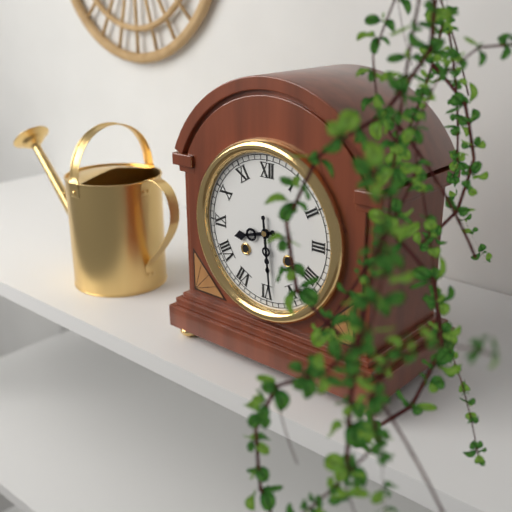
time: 8:29
